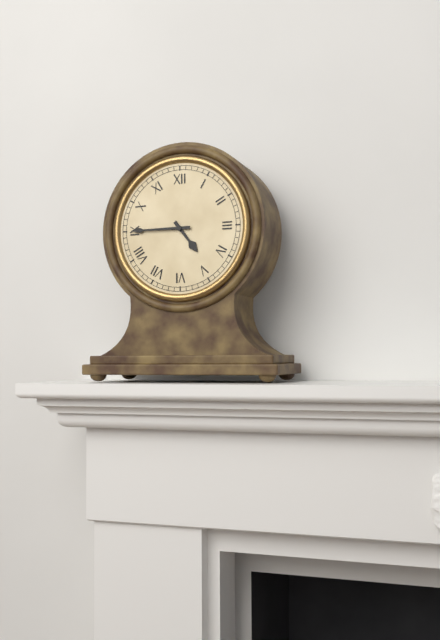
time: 4:45
